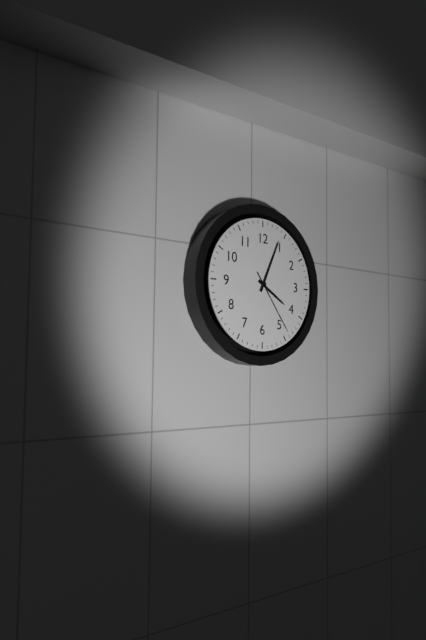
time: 4:04:24
